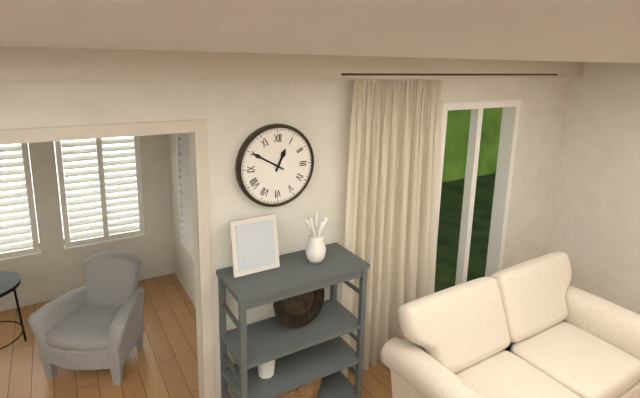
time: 12:50
